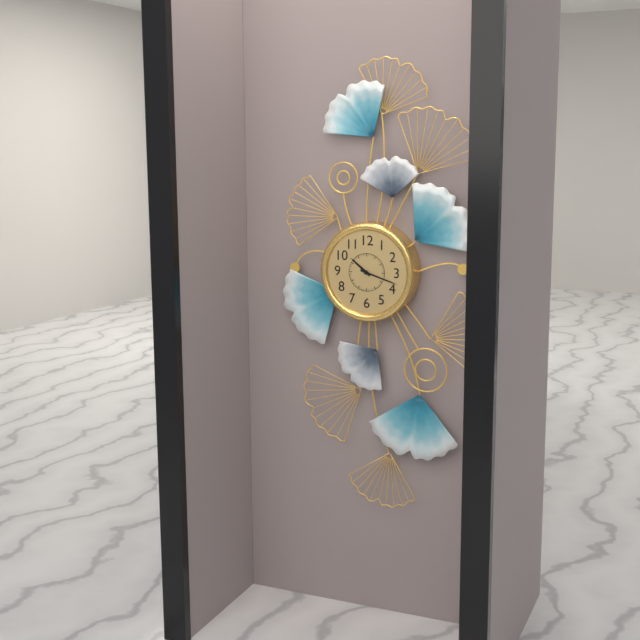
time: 10:18
